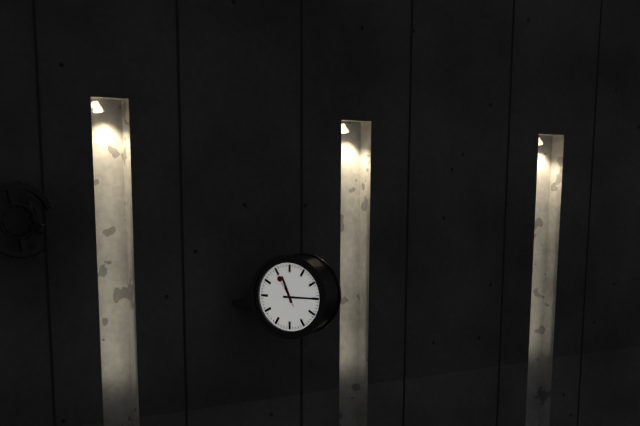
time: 11:15
